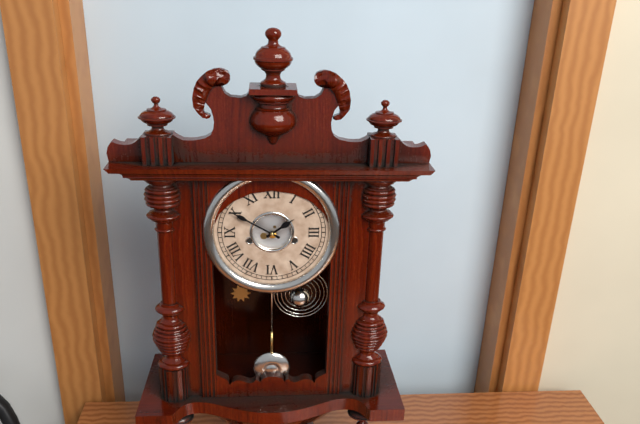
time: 1:50
